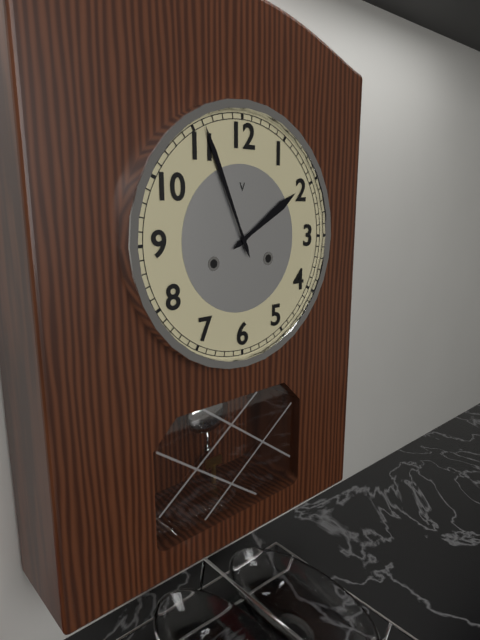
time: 1:56
